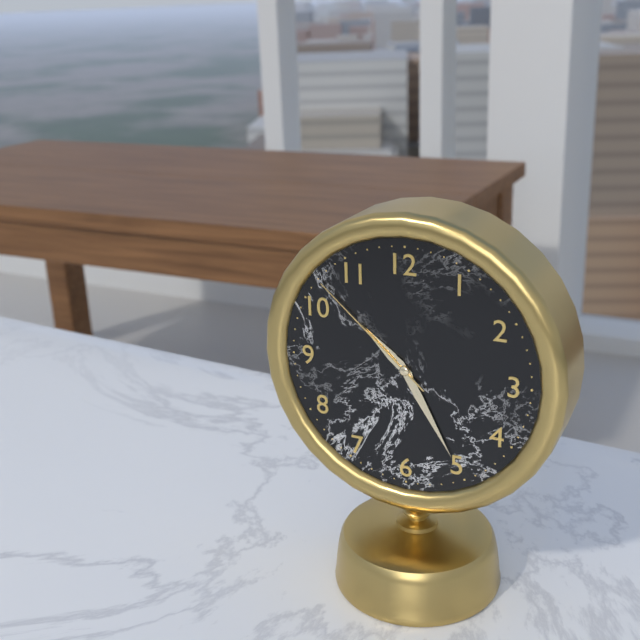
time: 10:25:52
